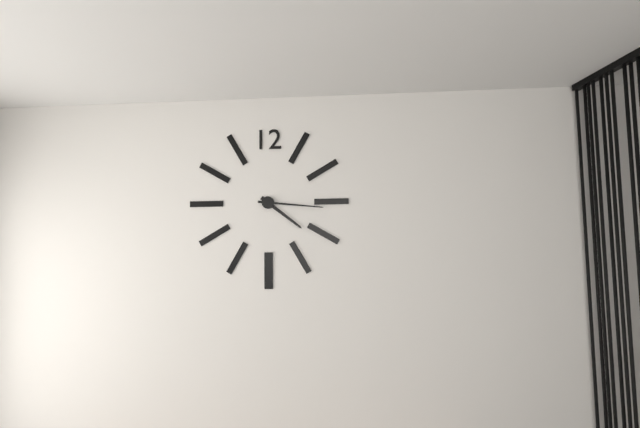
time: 4:16
